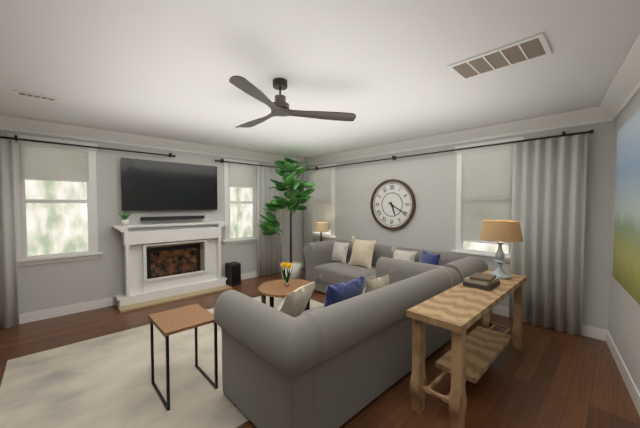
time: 5:20
